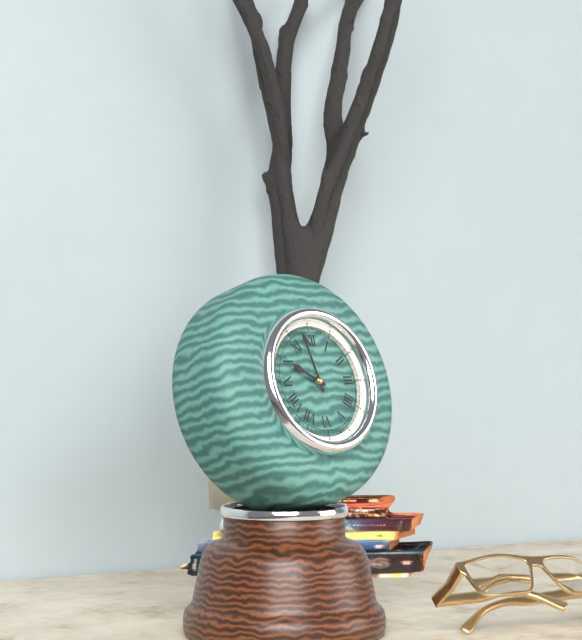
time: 9:58
